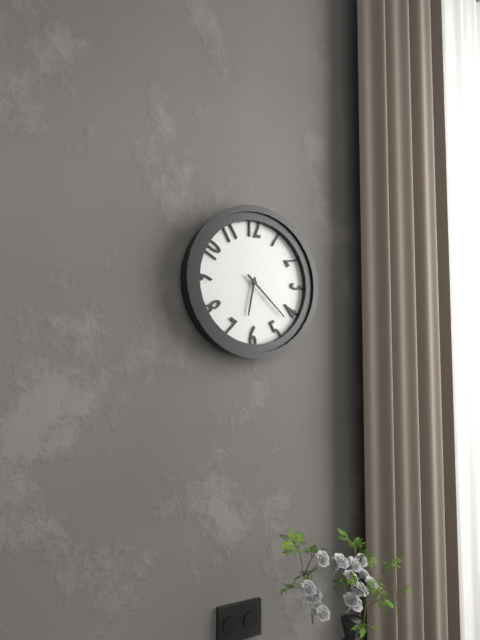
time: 6:22
